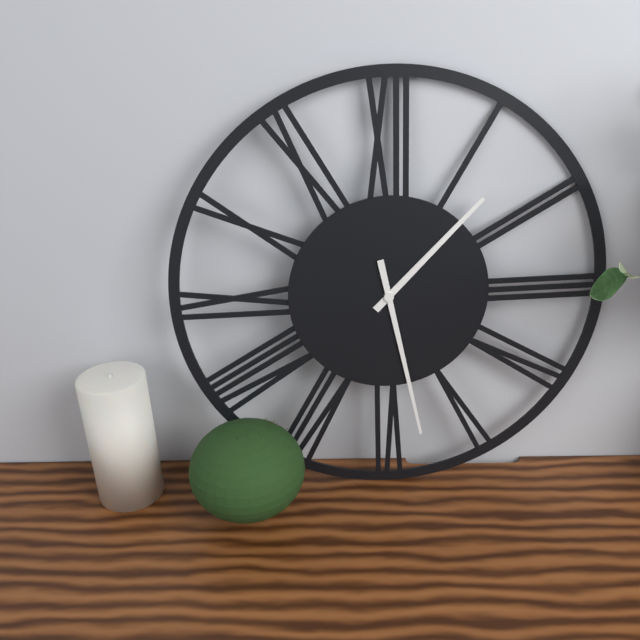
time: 1:28
